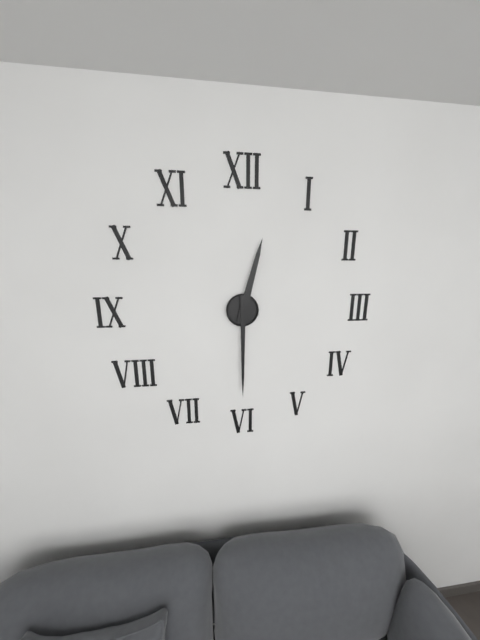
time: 12:30
